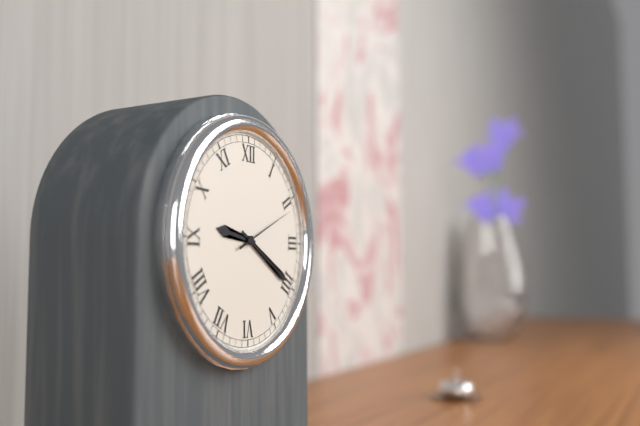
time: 9:20:11
